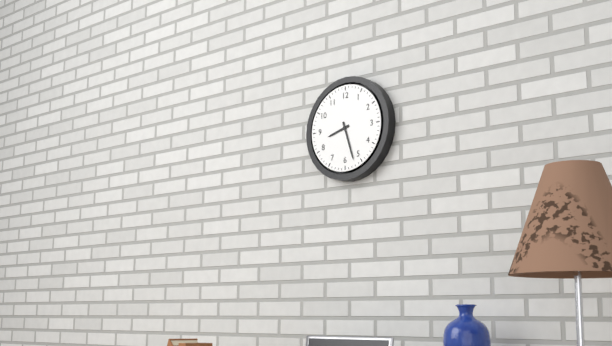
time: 8:27
